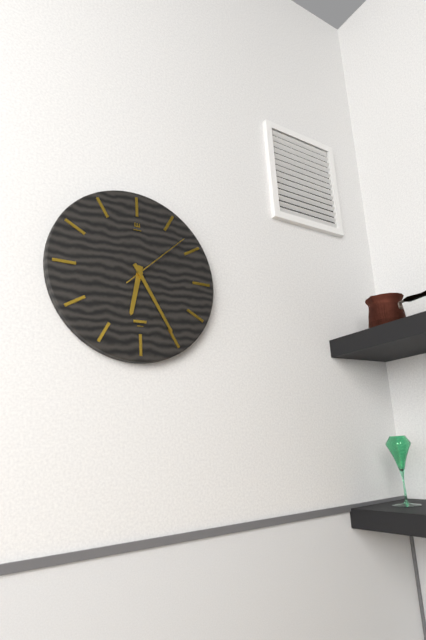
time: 6:25:08
